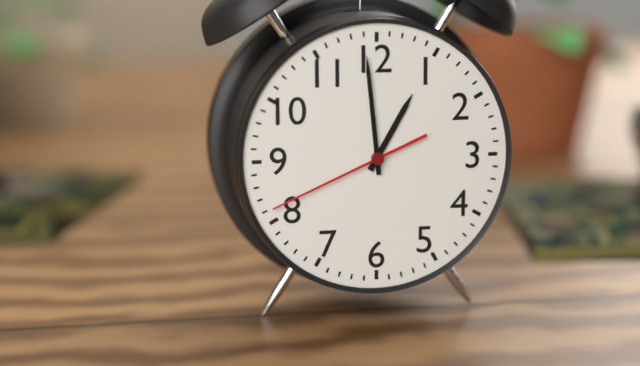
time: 12:59:41
